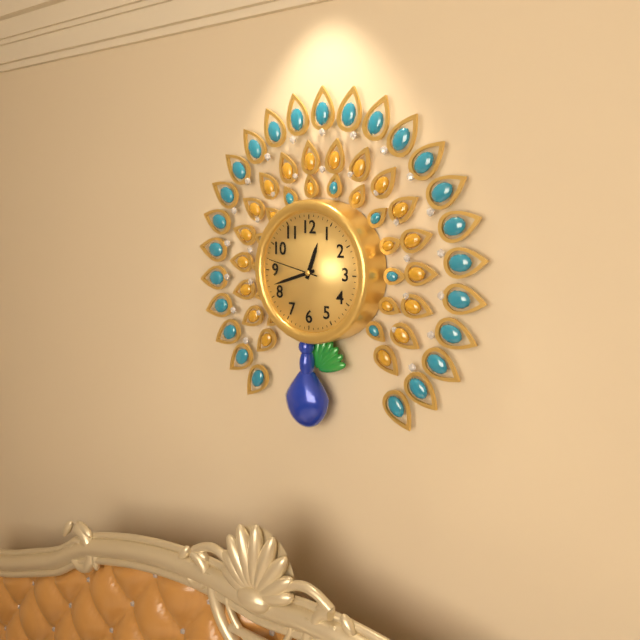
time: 12:42:47
